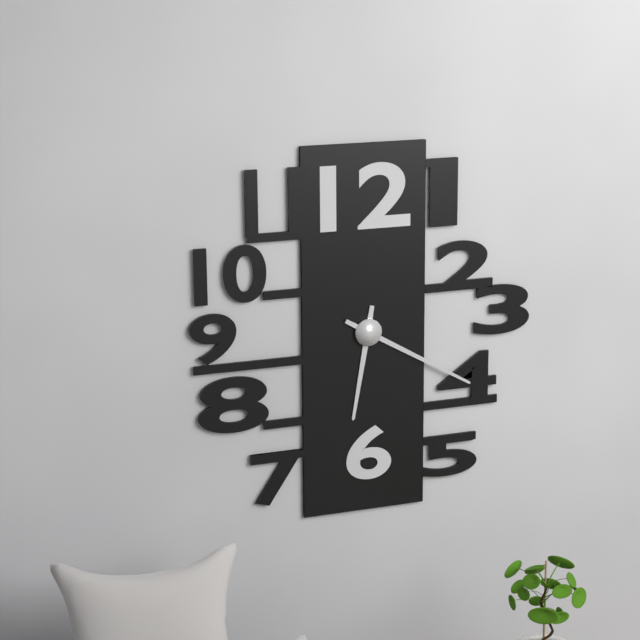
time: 6:20
